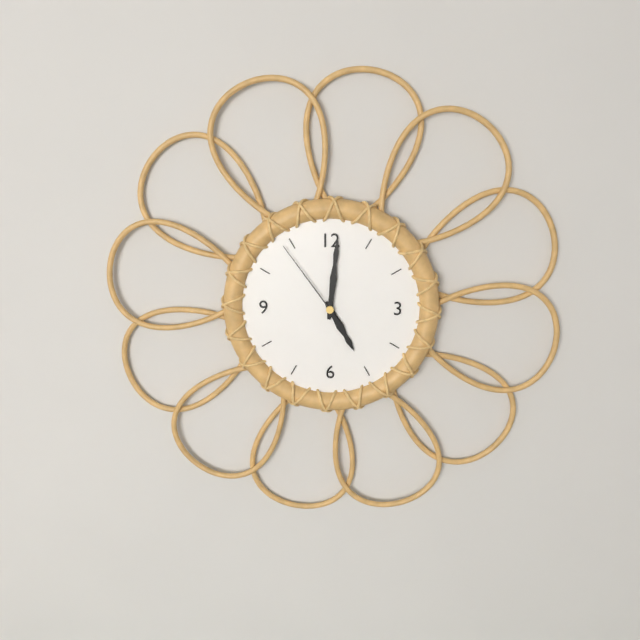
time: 5:01:54
